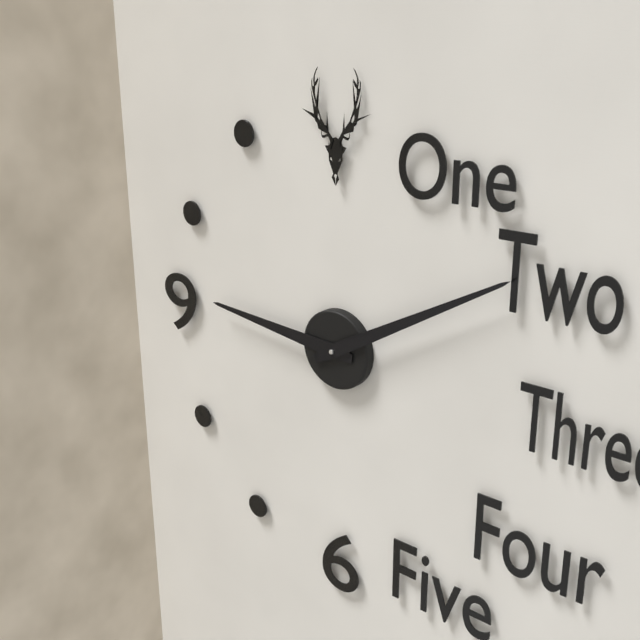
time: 9:10
